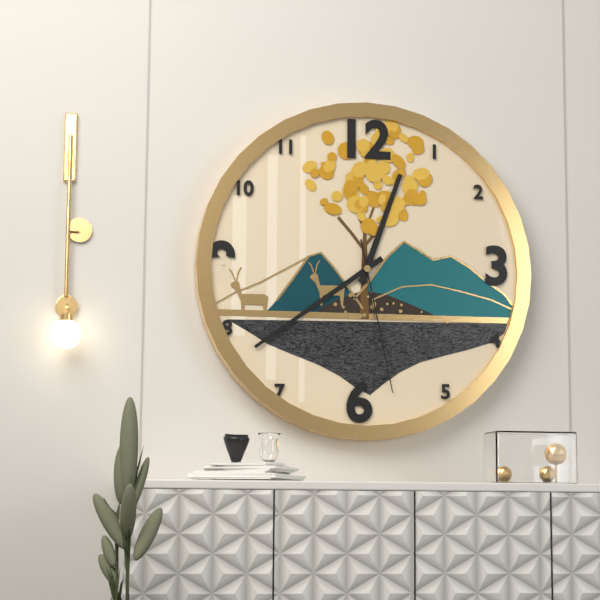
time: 12:39:28
